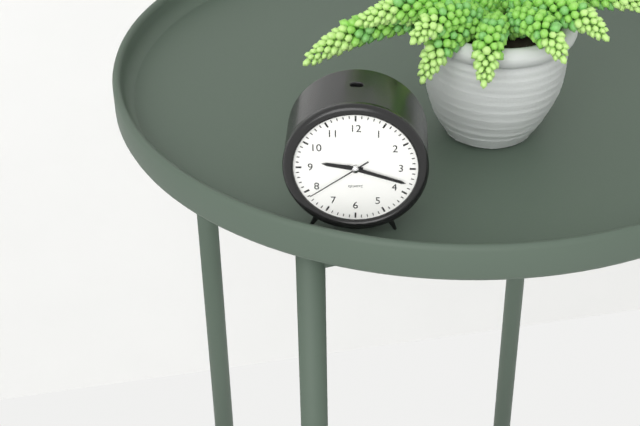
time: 9:18:39
